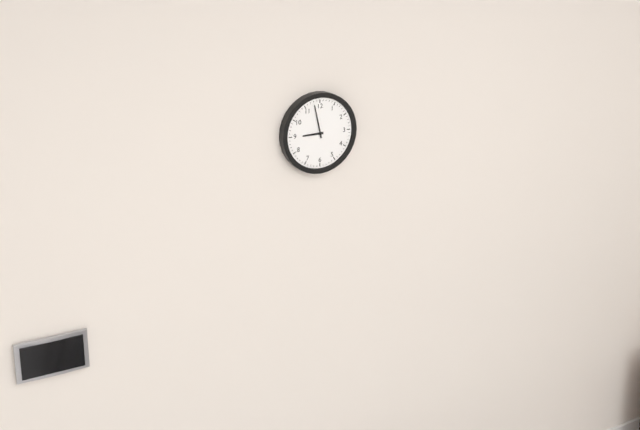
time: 8:58
